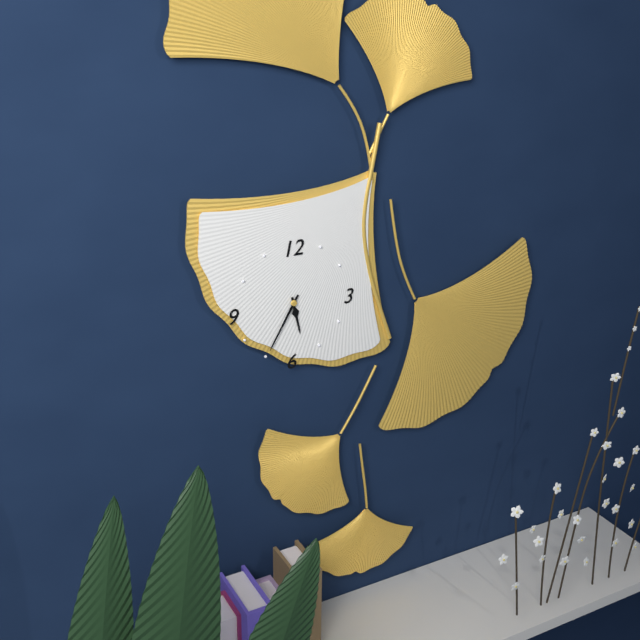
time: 5:35
